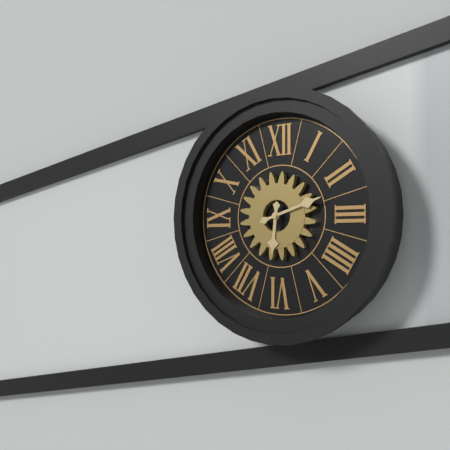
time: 6:12
